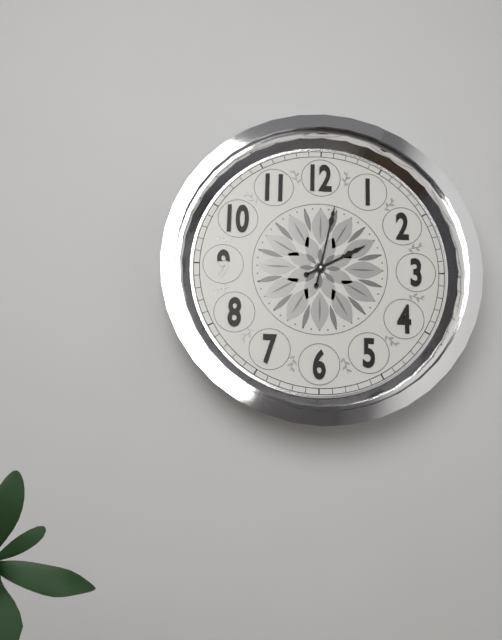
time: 2:02
